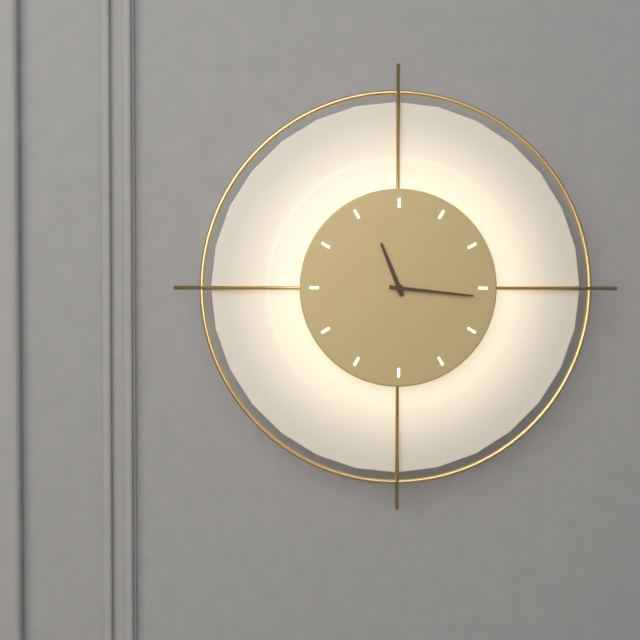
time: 11:16
